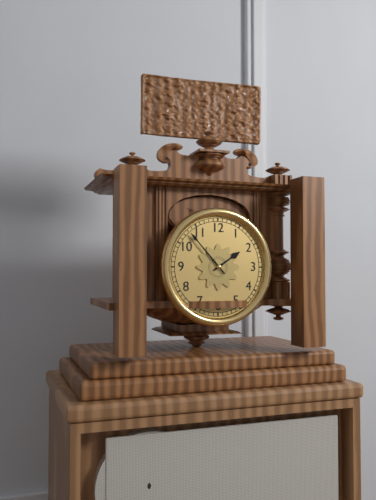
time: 1:53
